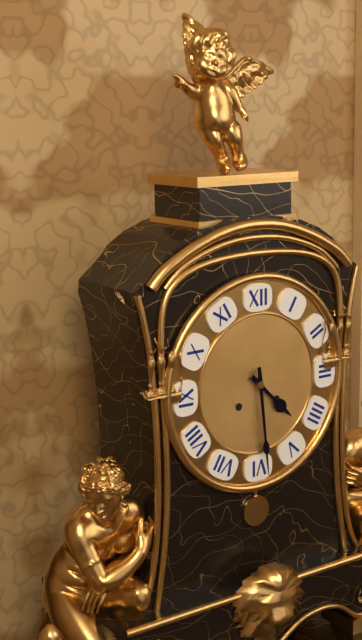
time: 4:29
